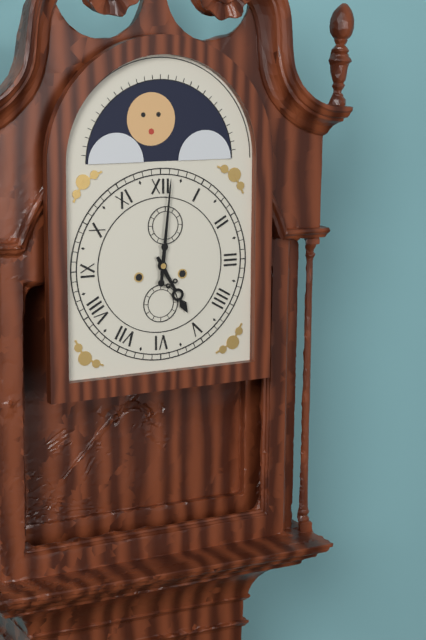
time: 5:01
